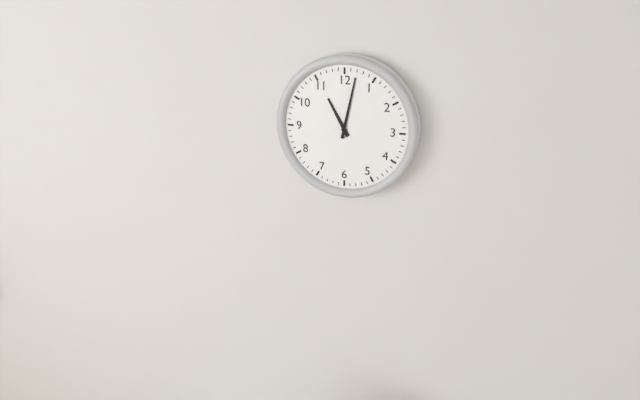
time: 11:02
